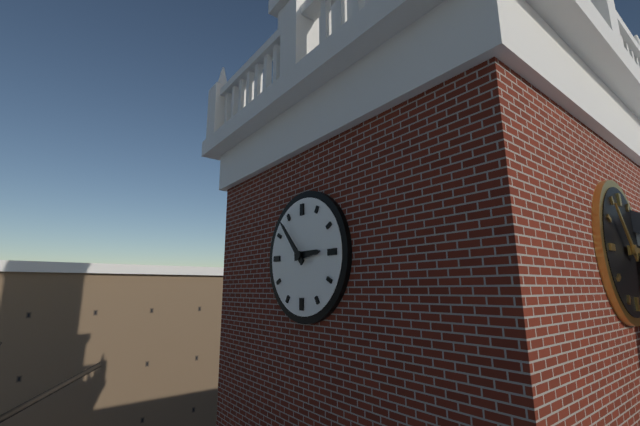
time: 2:53
